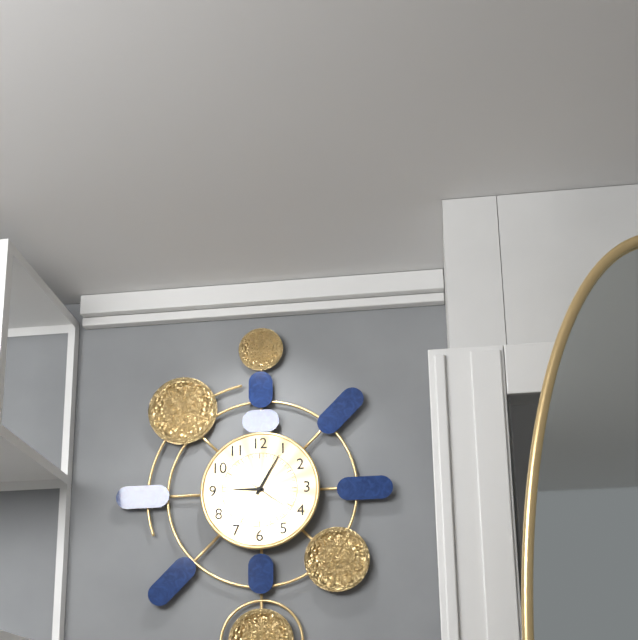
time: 9:05:21
